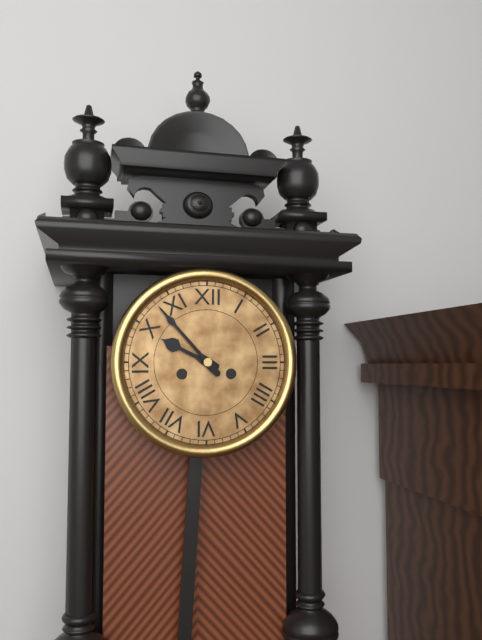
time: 9:53
